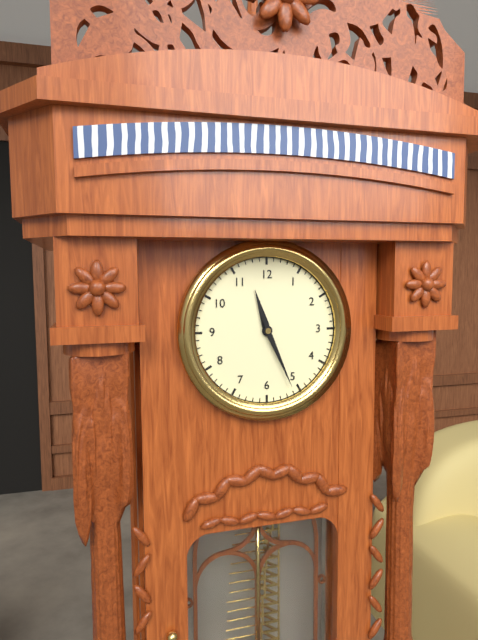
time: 11:26
